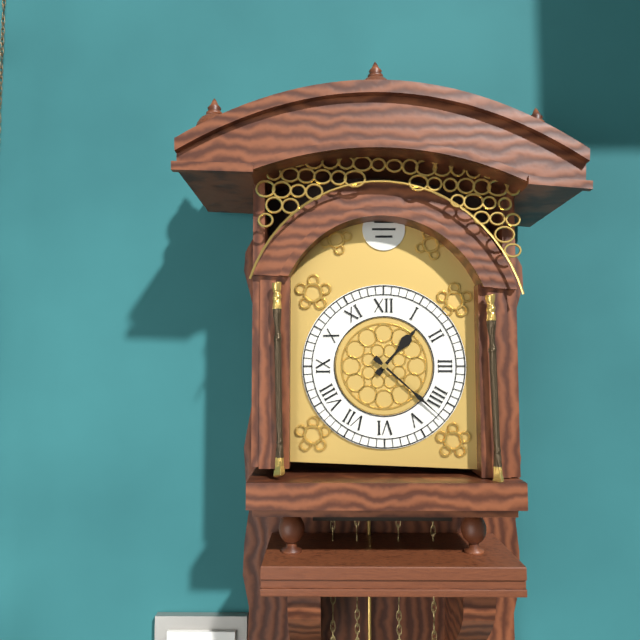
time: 1:22
